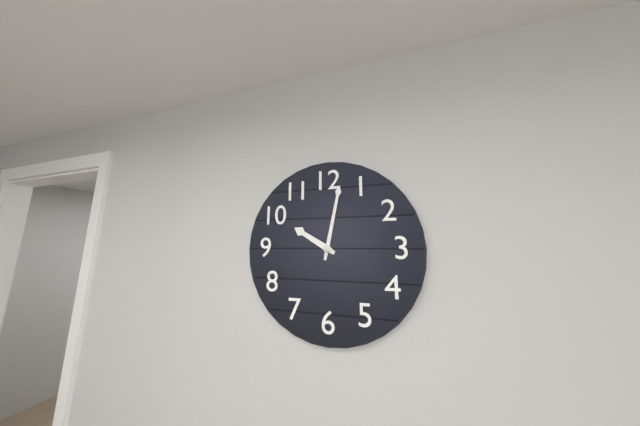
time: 10:02
